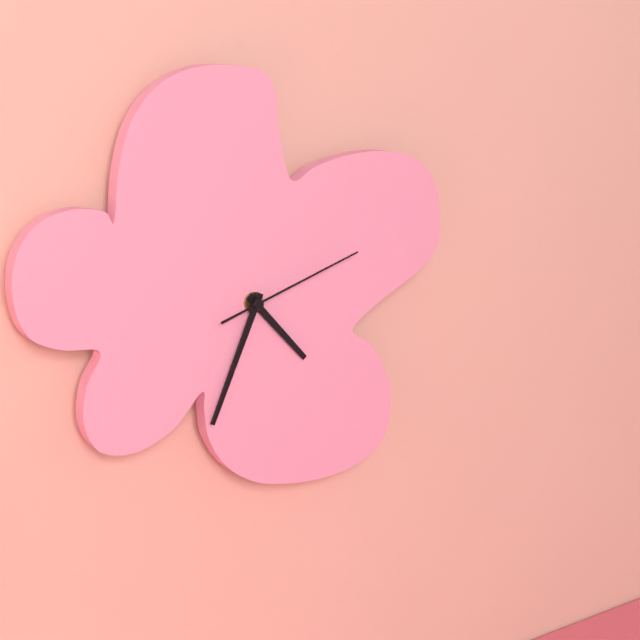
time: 4:34:12
